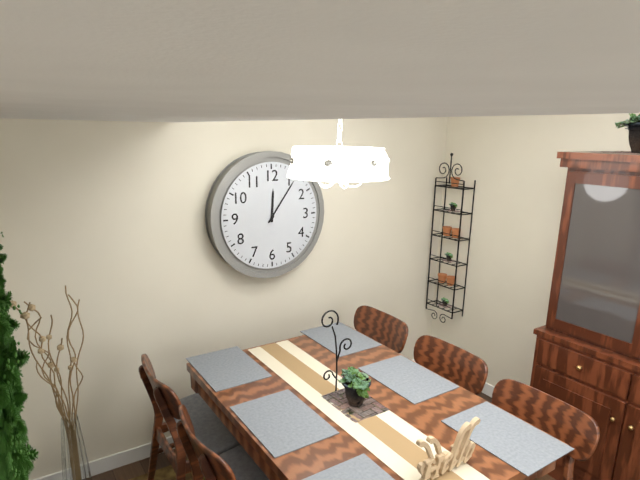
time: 12:06
